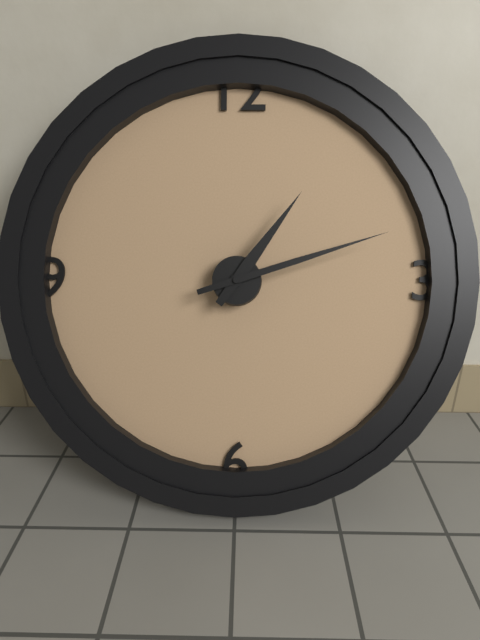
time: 1:12
